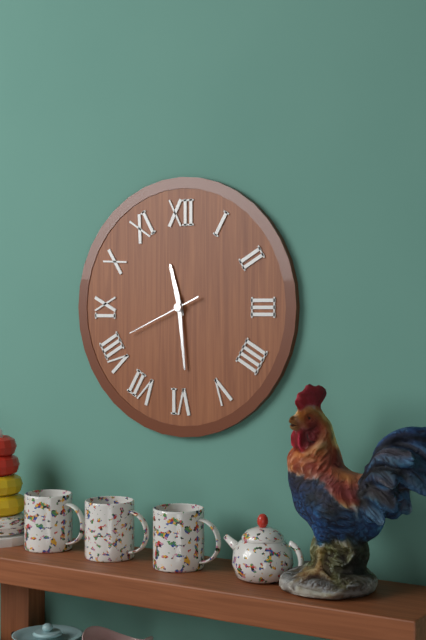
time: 11:29:41
